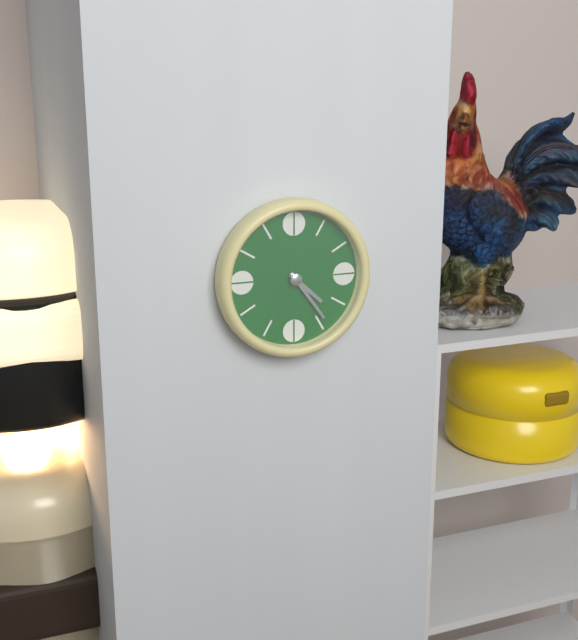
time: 4:24
